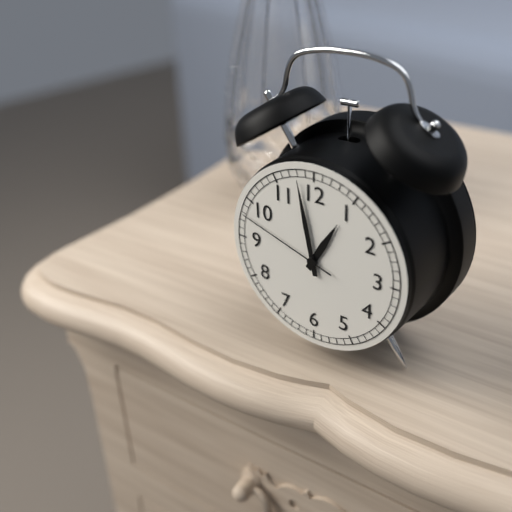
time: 12:58:48
